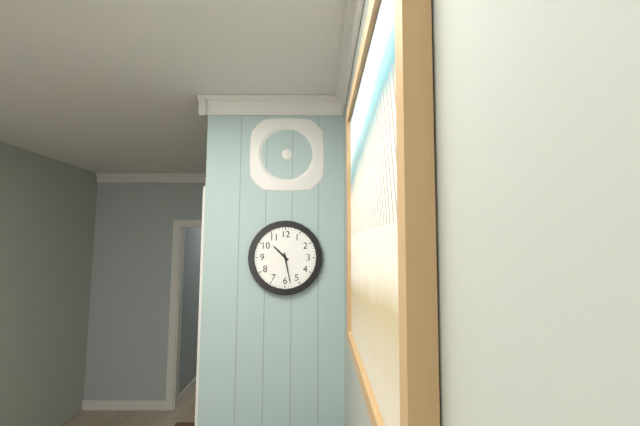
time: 10:28
